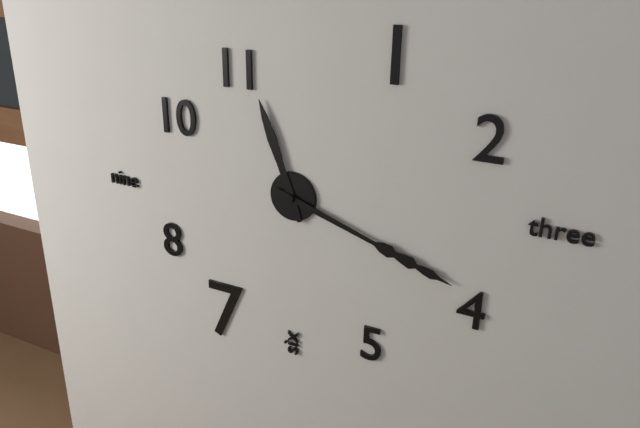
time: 11:18
